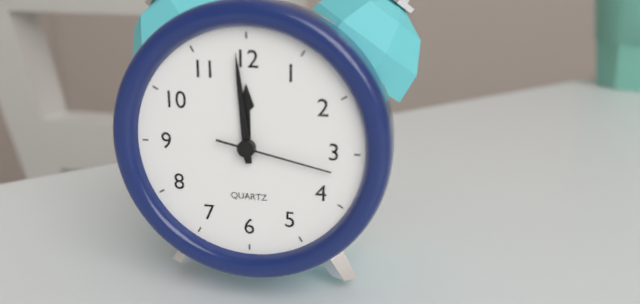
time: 11:59:17
